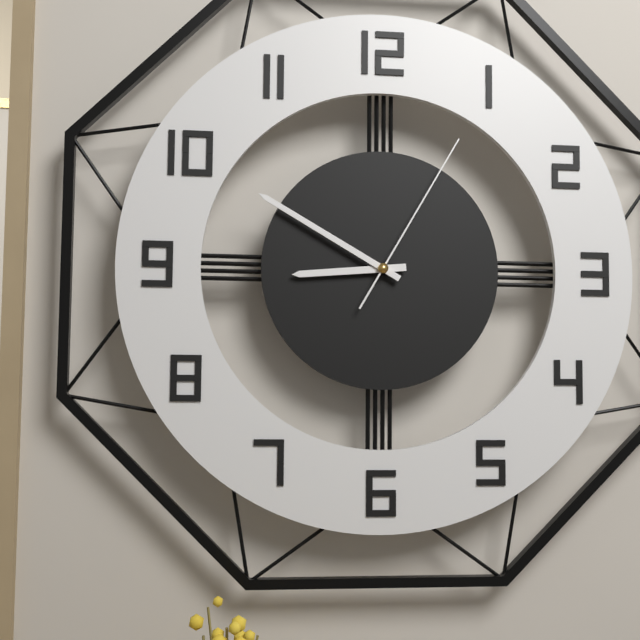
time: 8:50:05
